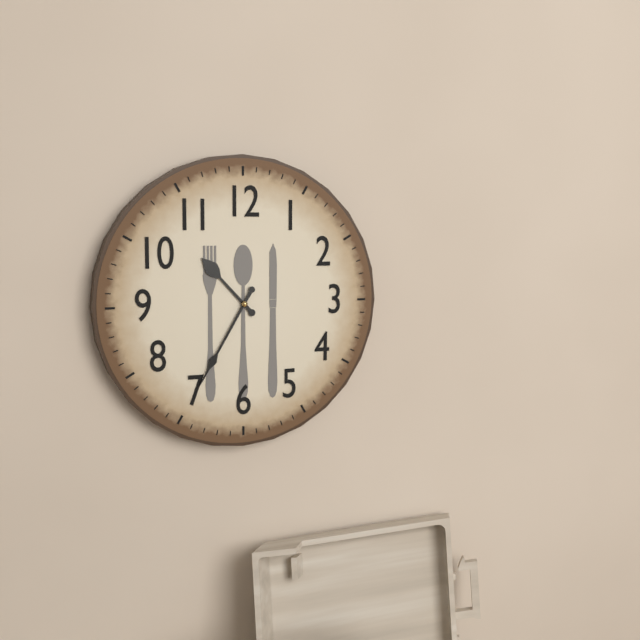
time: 10:35
